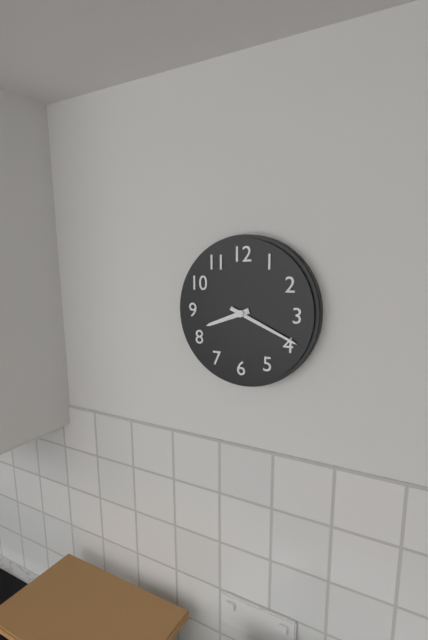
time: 8:19
